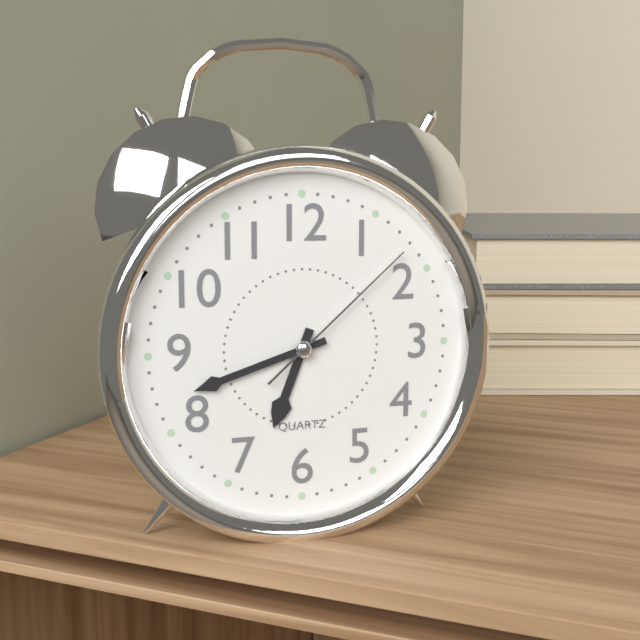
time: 6:42:08
